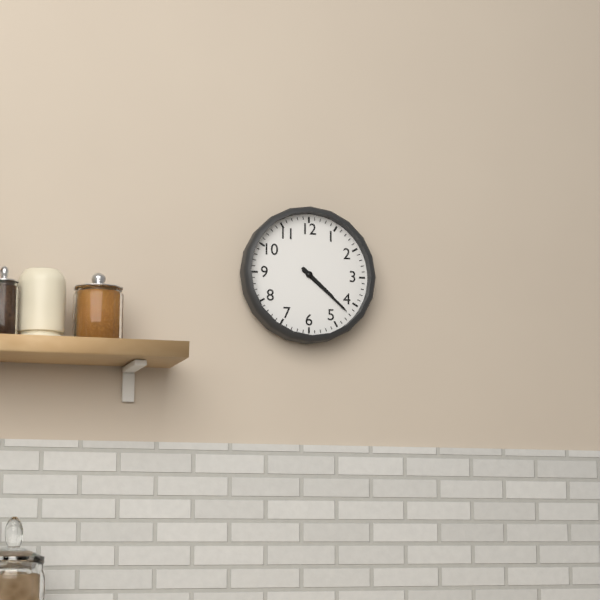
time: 4:22
